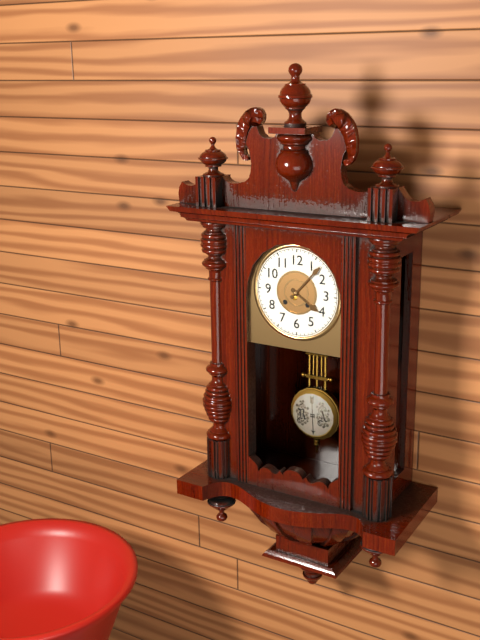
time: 4:07
